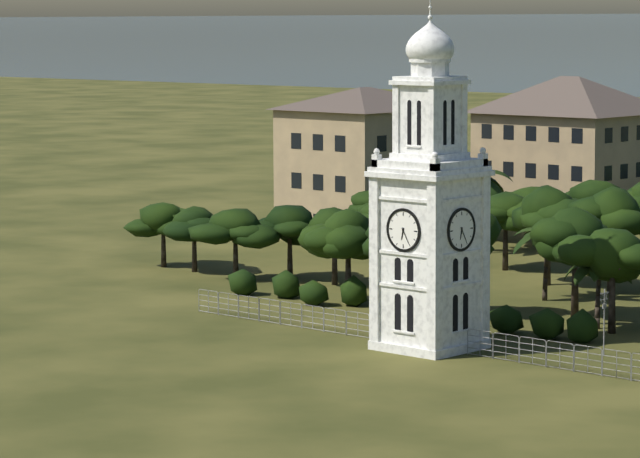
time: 6:25
